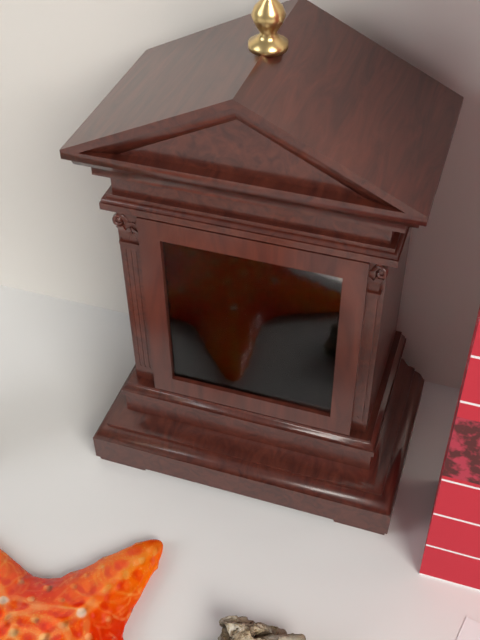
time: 9:15:59
